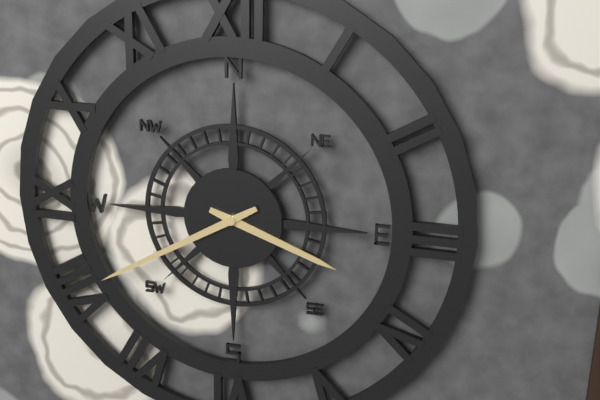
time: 3:40
